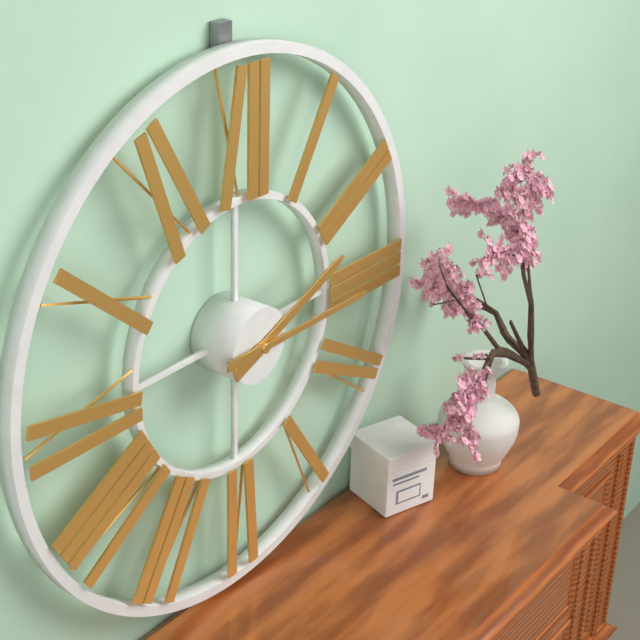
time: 2:15
